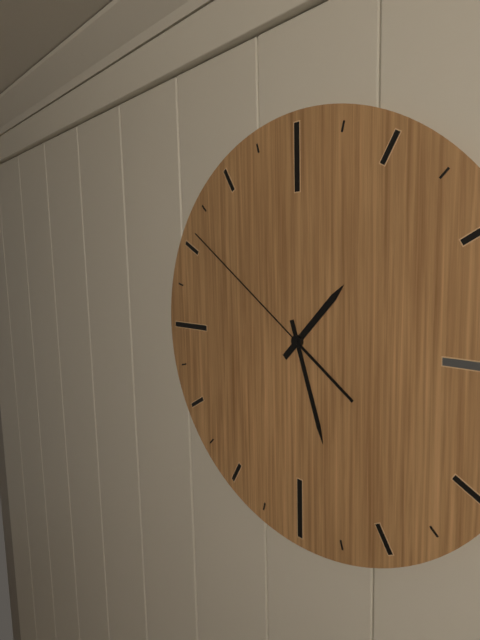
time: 1:27:51
